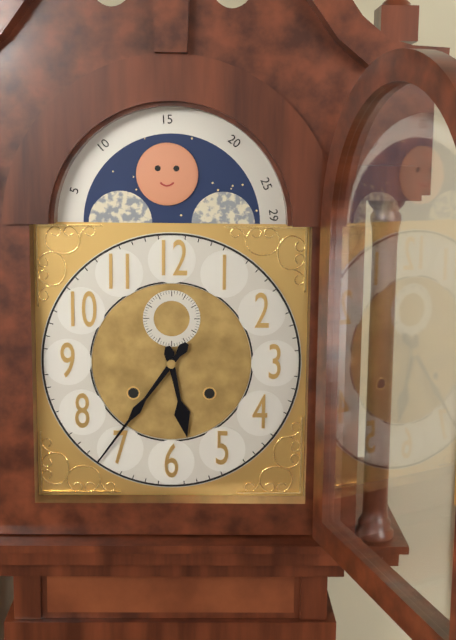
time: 5:36
